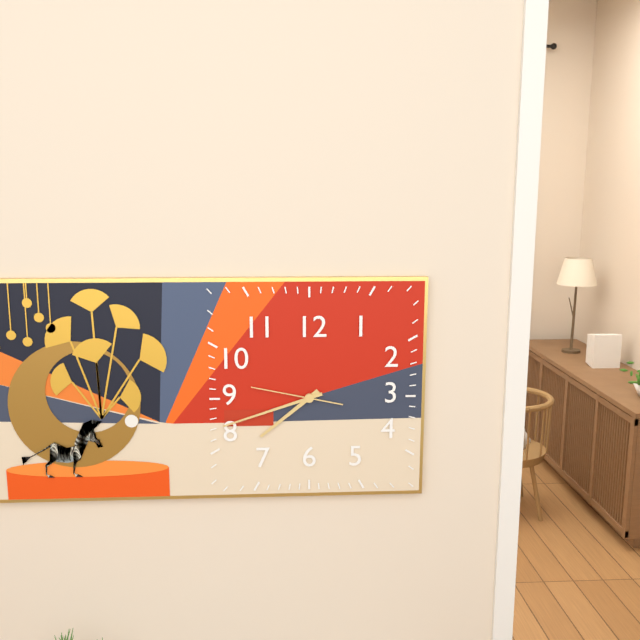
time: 7:42:47
